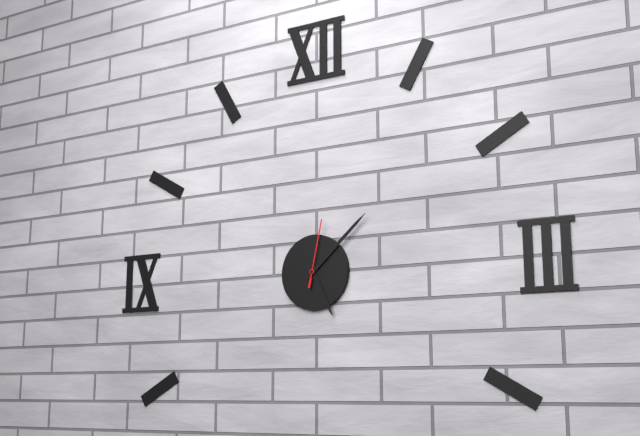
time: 5:08:02
